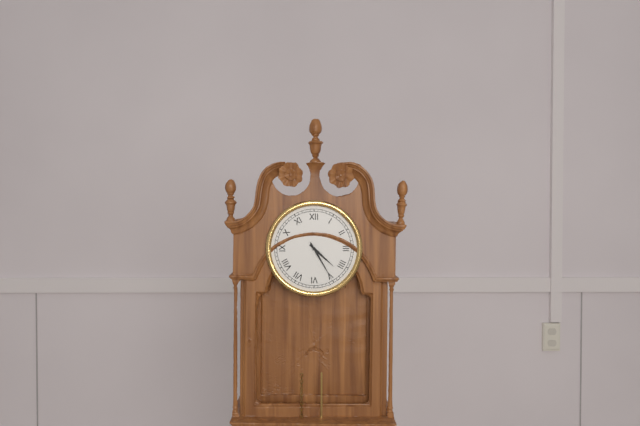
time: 4:25
